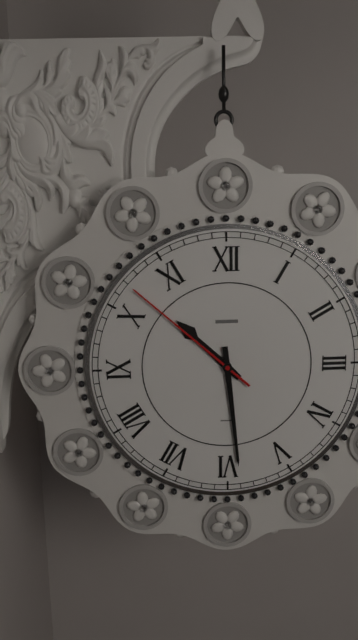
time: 10:29:52
